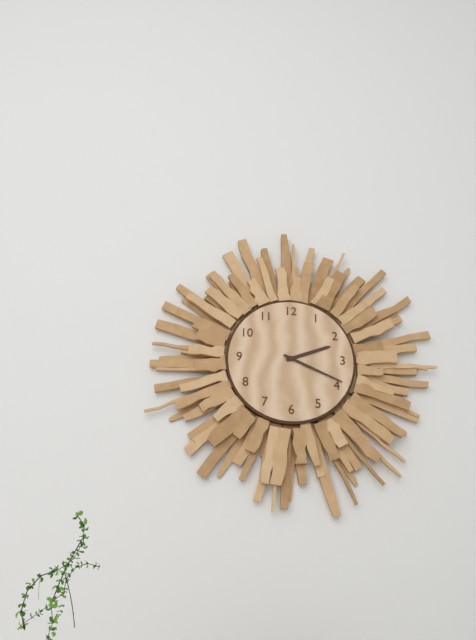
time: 2:19
